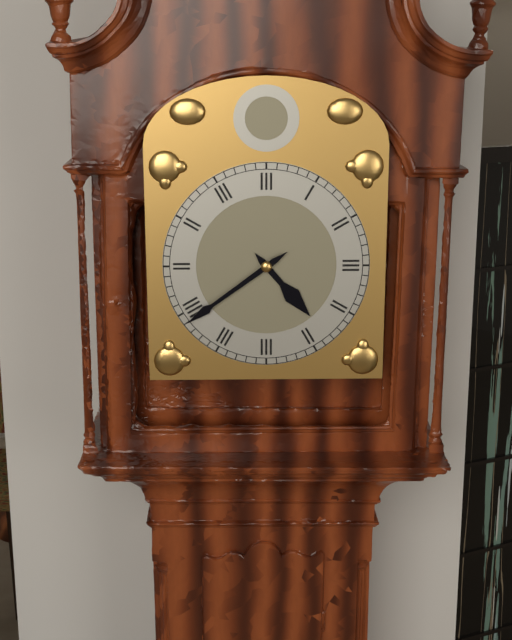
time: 4:39
